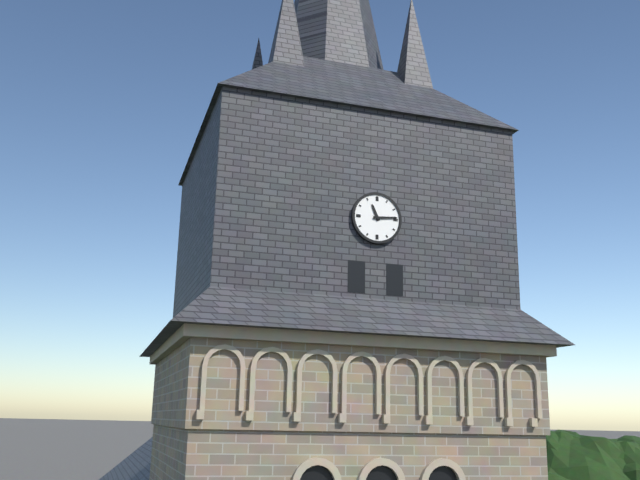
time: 11:14
